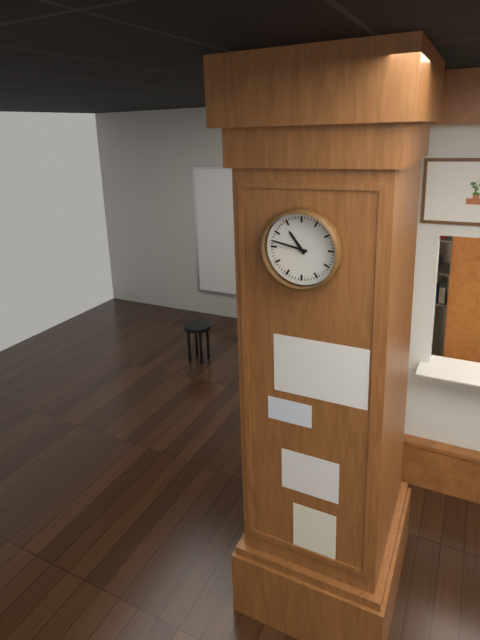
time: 10:47
